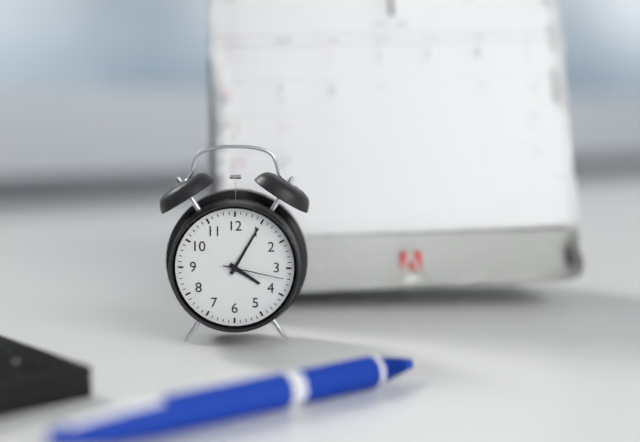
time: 4:05:17
